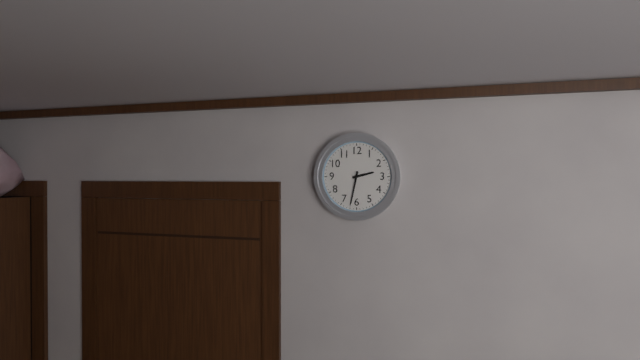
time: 2:32
